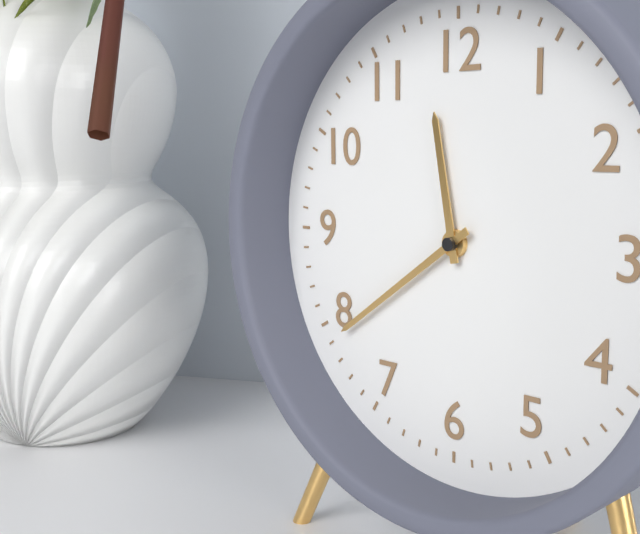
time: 11:39
